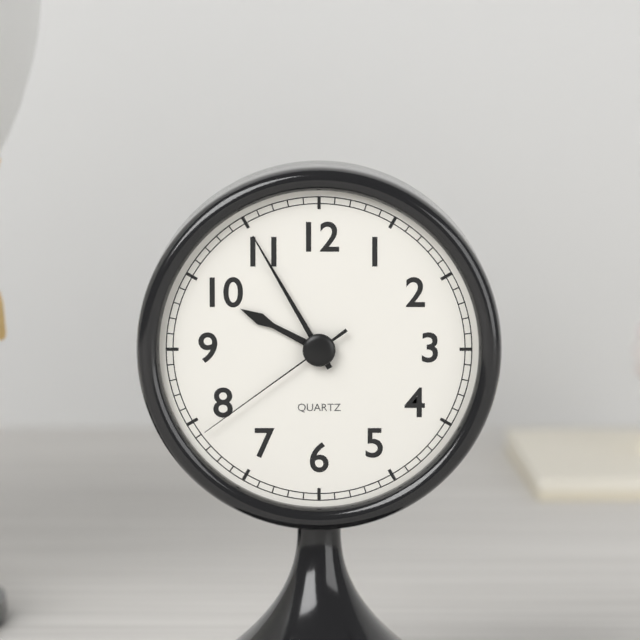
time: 9:55:39
